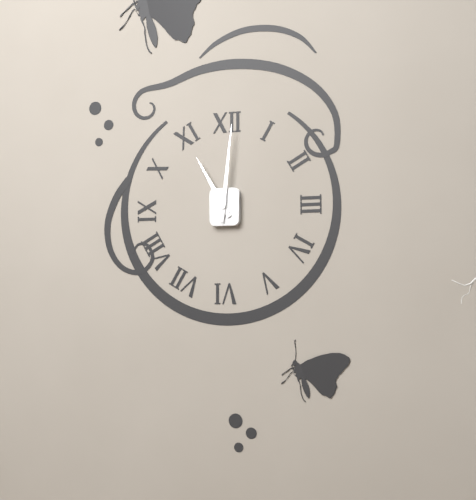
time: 11:01
